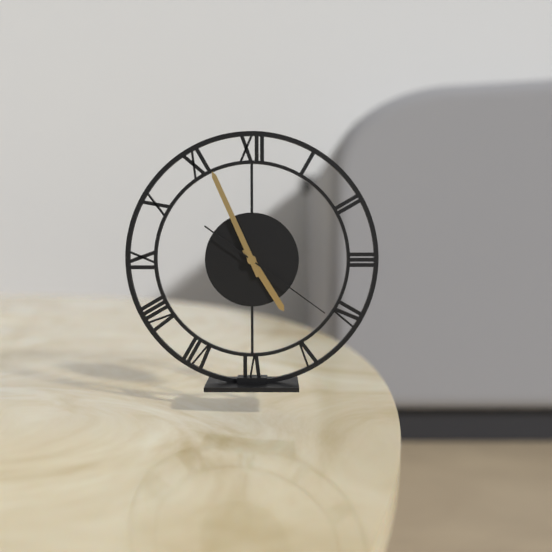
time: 4:56:21
